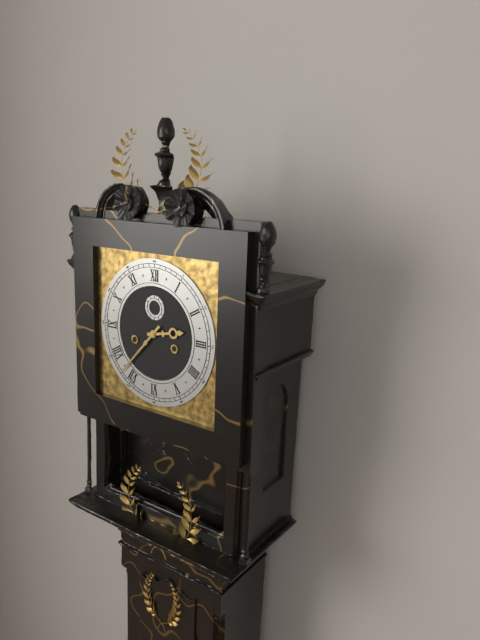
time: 2:37
